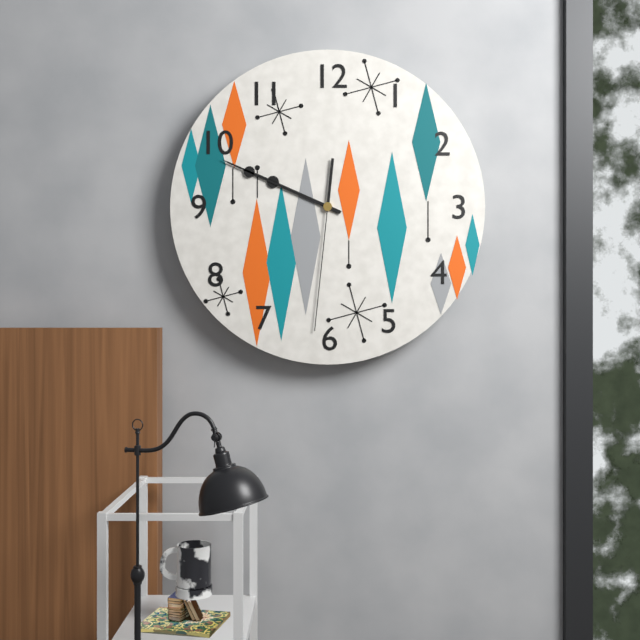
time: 9:49:31
